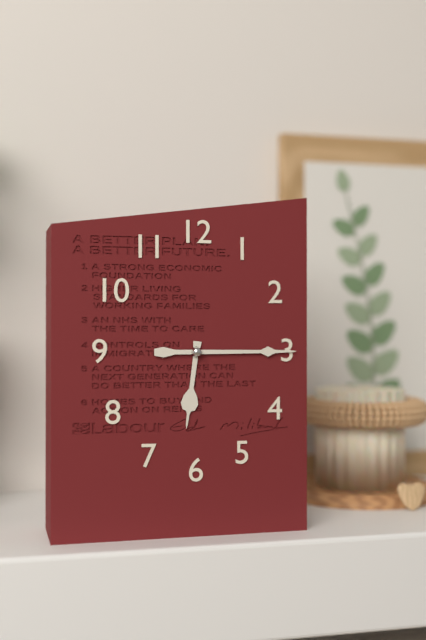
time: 6:15
